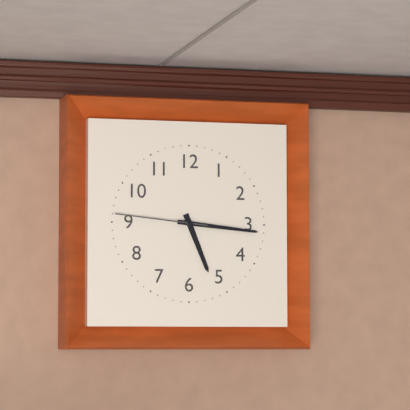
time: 5:16:46
